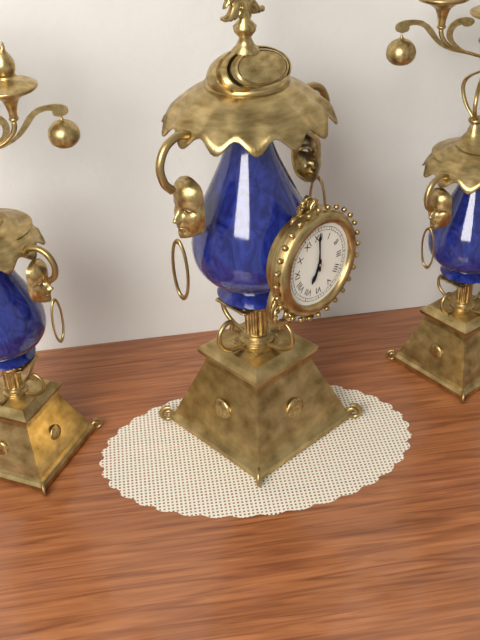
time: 7:00
